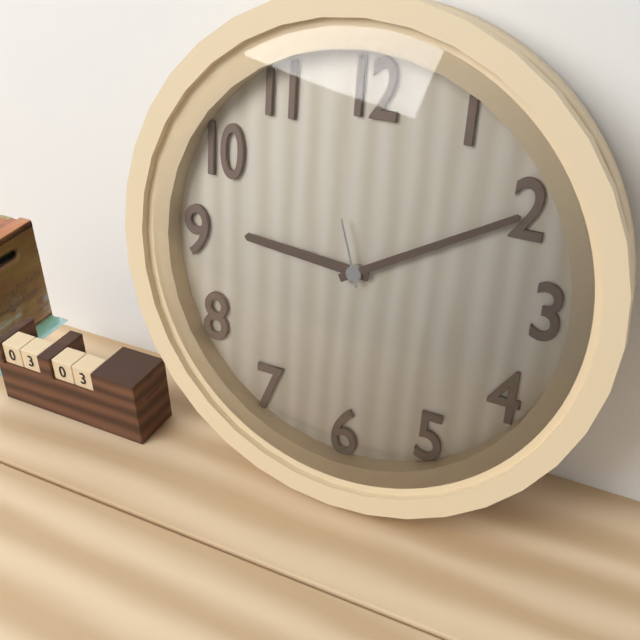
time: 9:10:57
